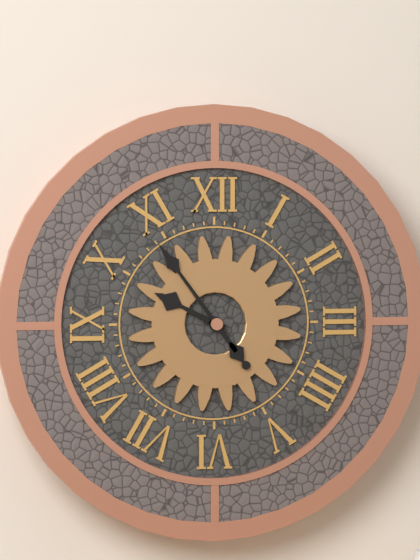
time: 9:54
